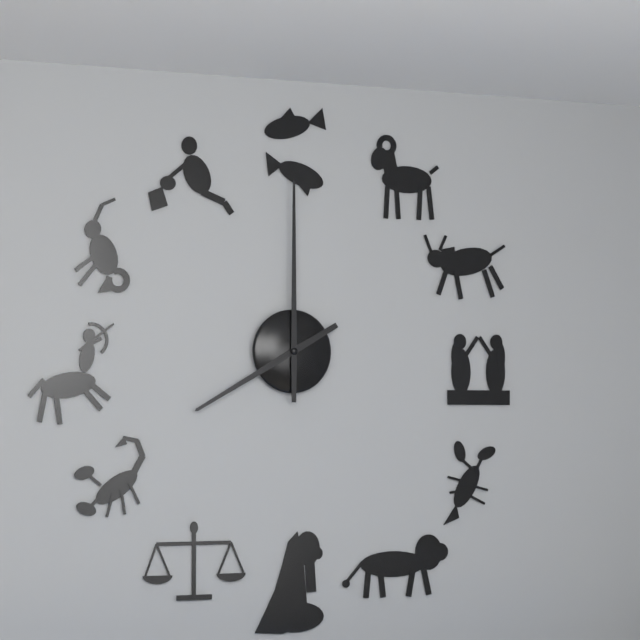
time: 8:00
